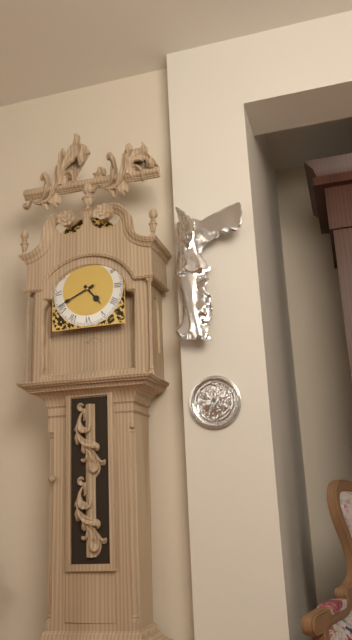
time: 4:41
